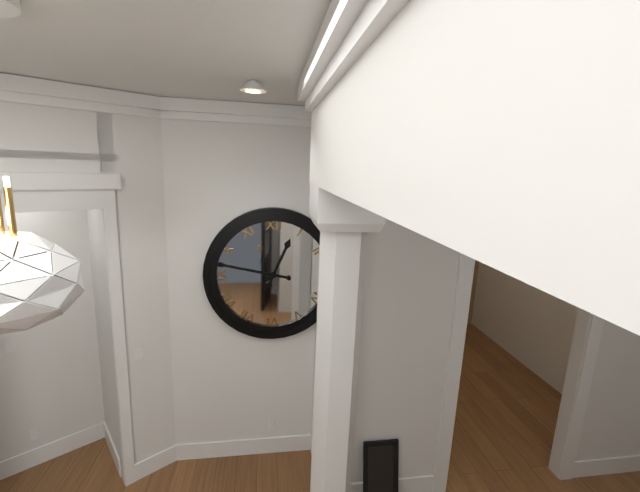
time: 12:47
